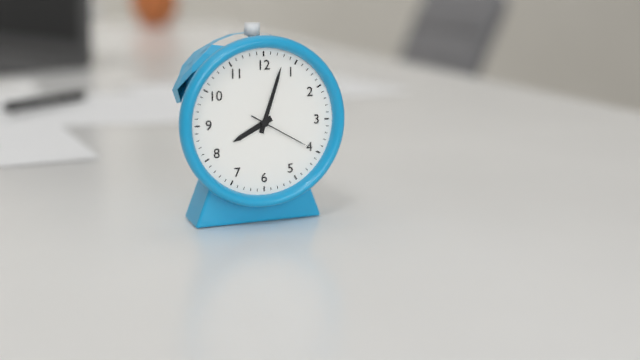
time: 8:03:20
